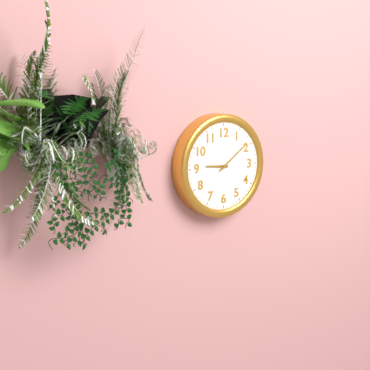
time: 9:09
